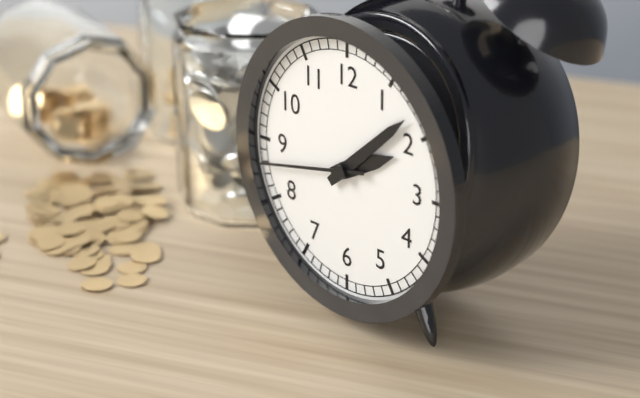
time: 2:08:43
